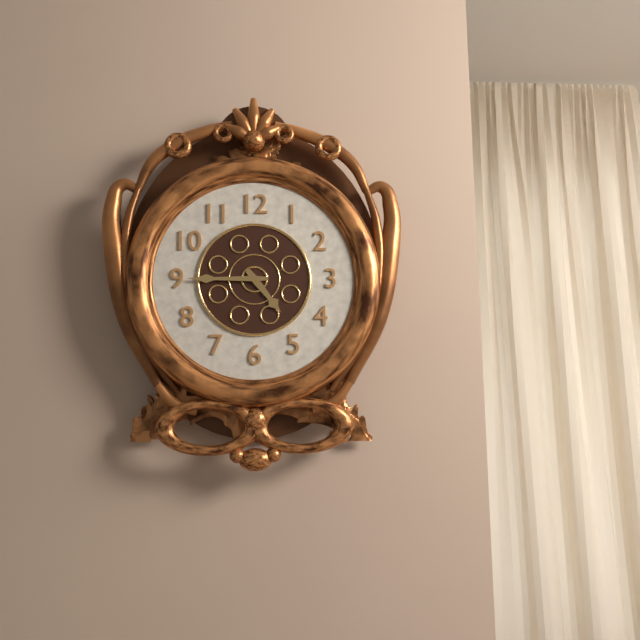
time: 4:45
